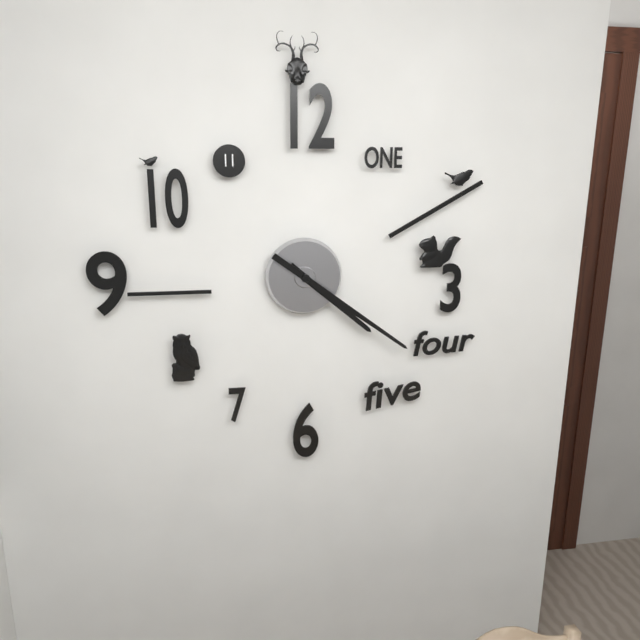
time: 4:21
